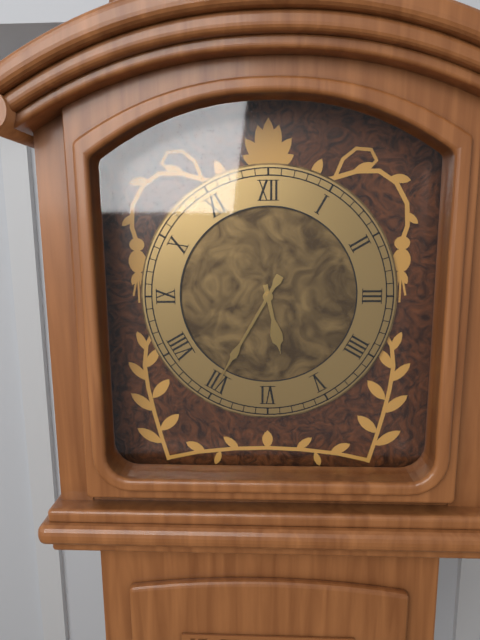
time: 5:35
